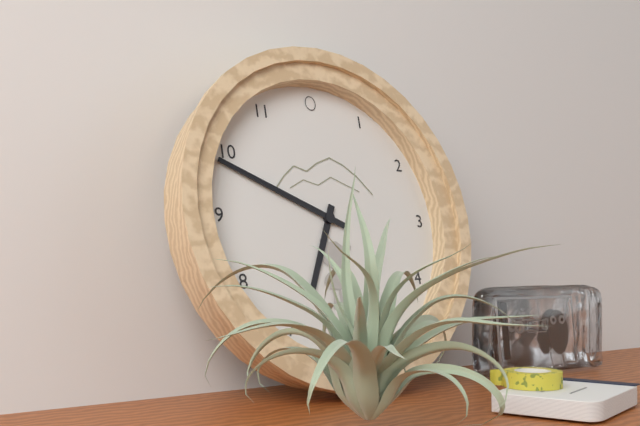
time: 6:49
